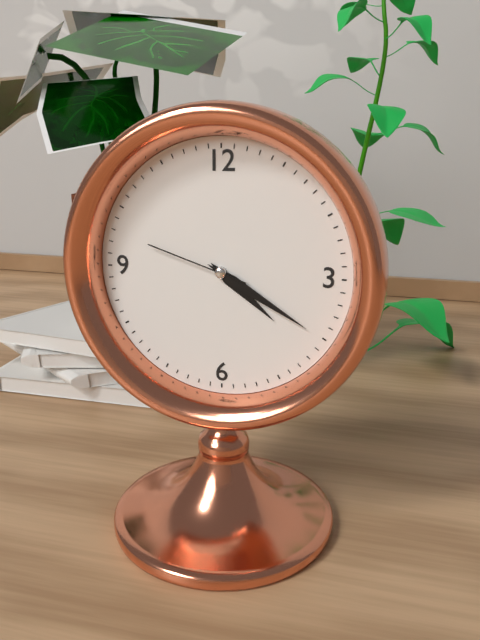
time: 4:20:48
